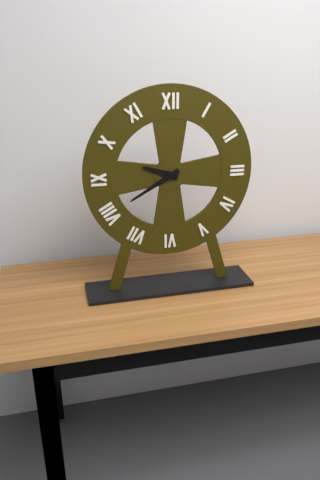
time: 9:40
